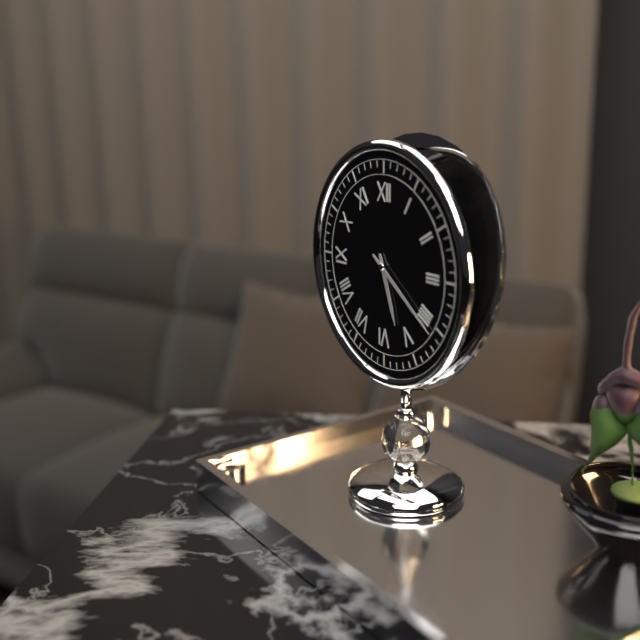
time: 5:21
